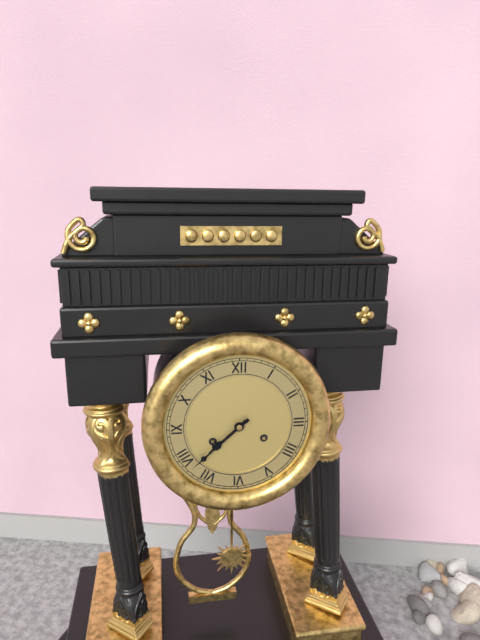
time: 7:38
